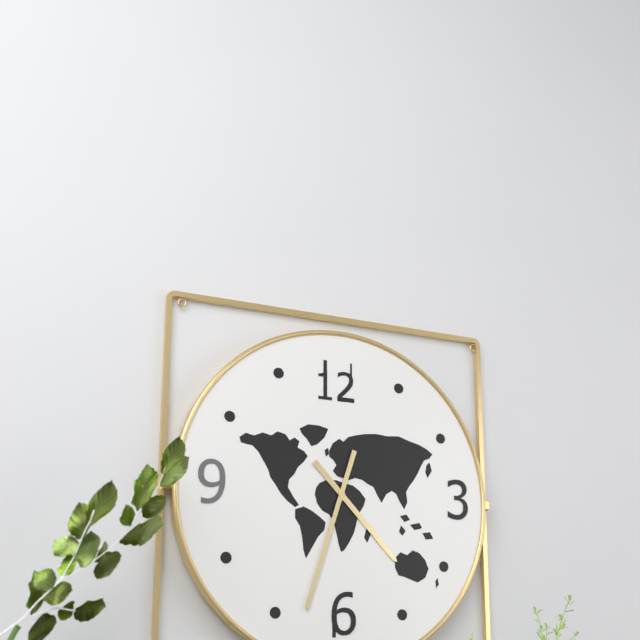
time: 4:33
